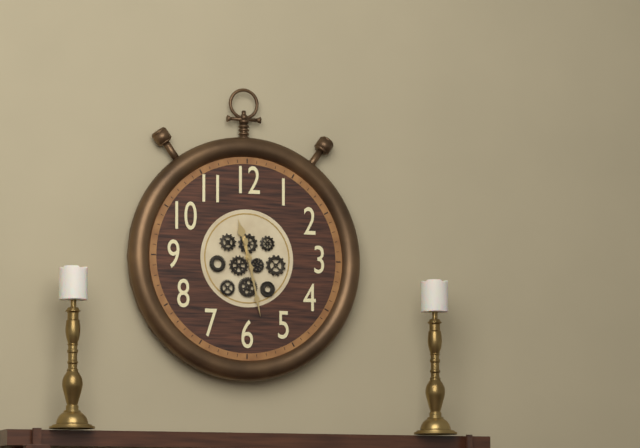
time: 11:28
